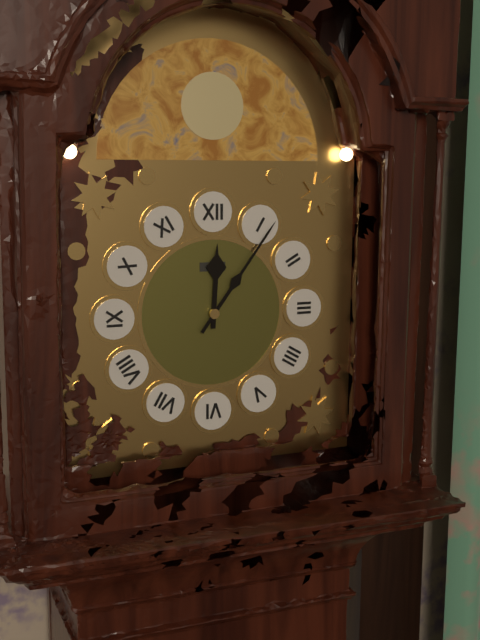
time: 12:06
